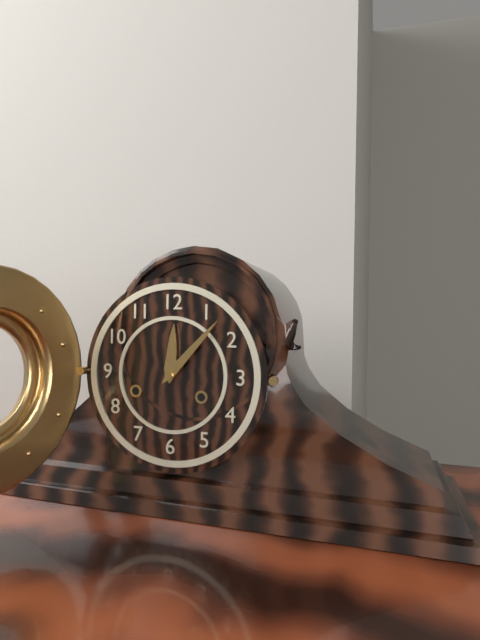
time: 12:07
